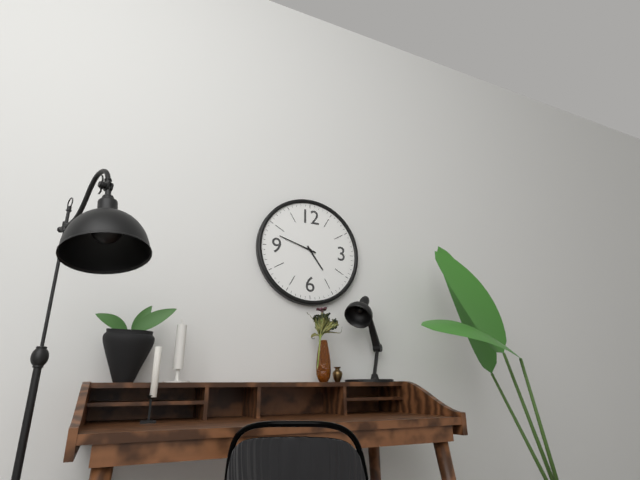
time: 4:48
